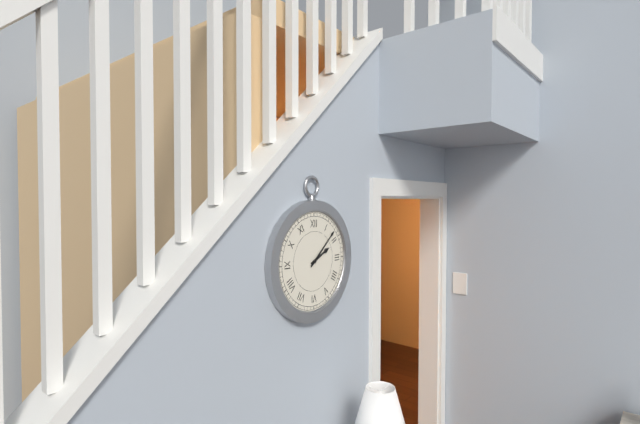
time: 2:08
